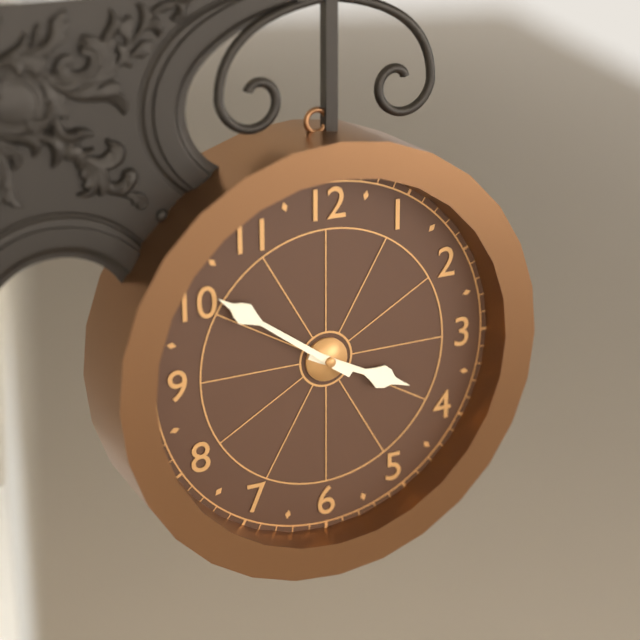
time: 3:51
